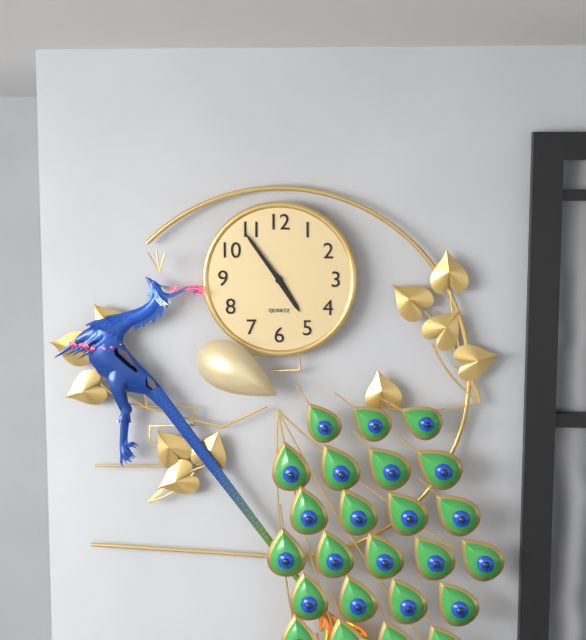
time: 4:54
